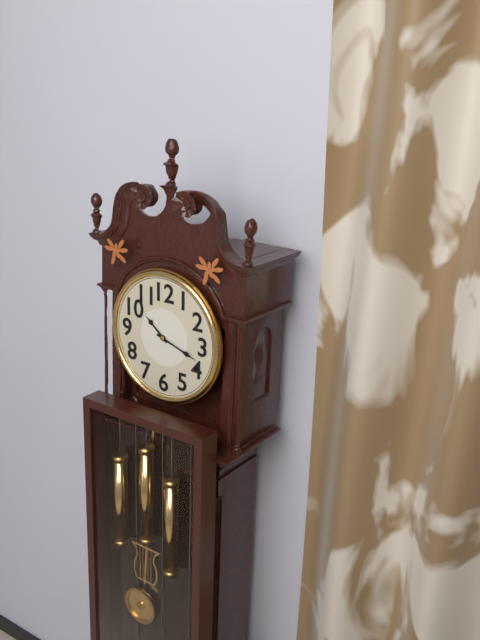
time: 10:18
